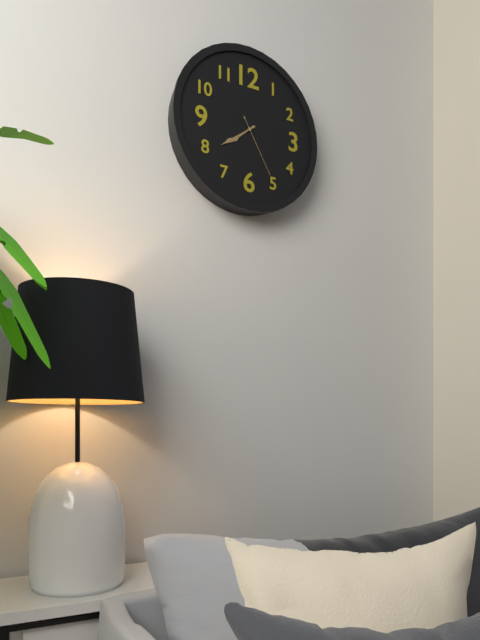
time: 7:39:25
